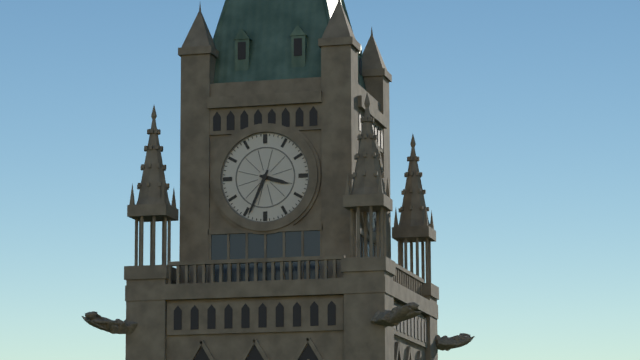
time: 3:34
